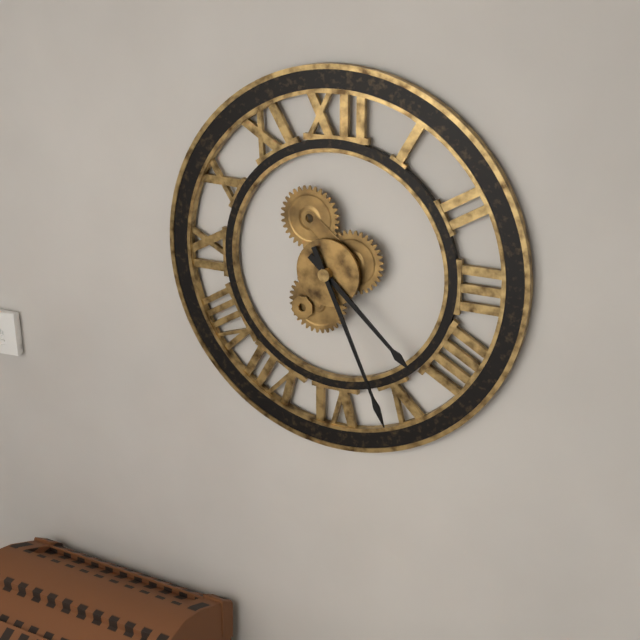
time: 4:26
